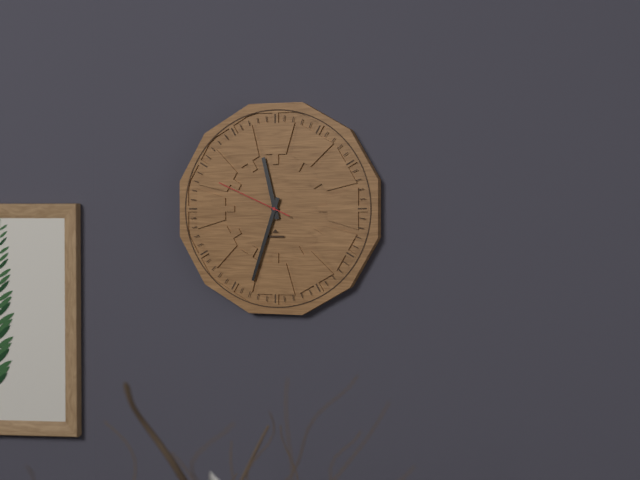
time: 11:33:49
